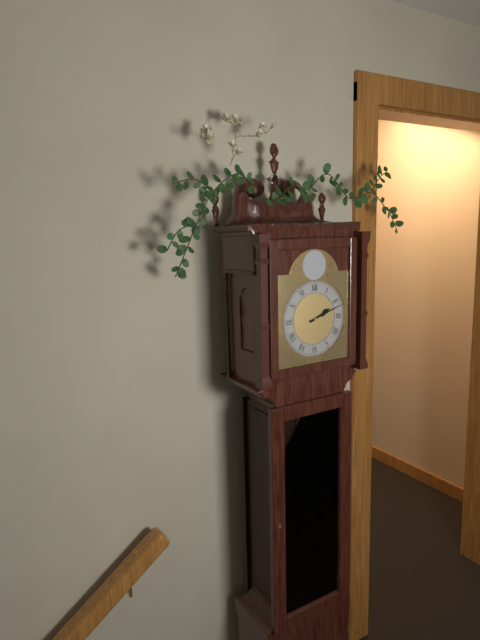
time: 2:12
